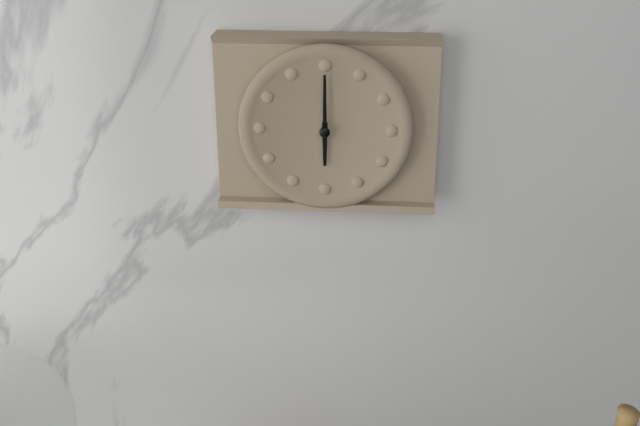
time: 6:00
